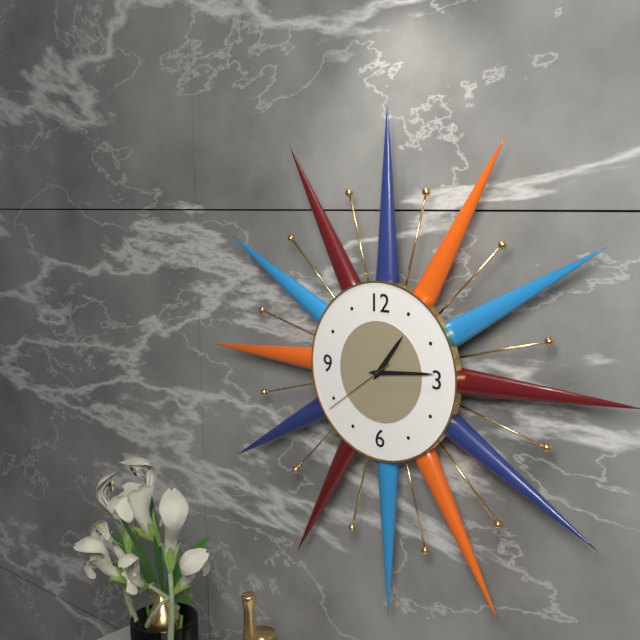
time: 1:14:39
